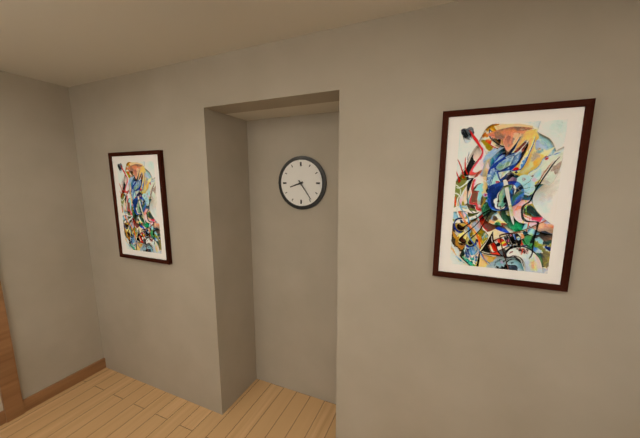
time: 8:24
